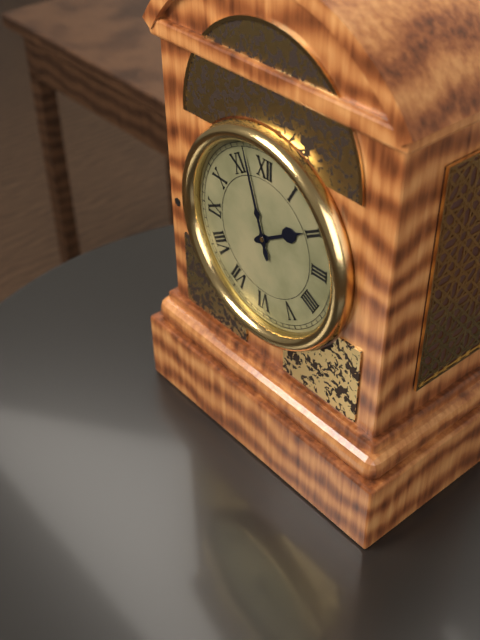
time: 1:57
